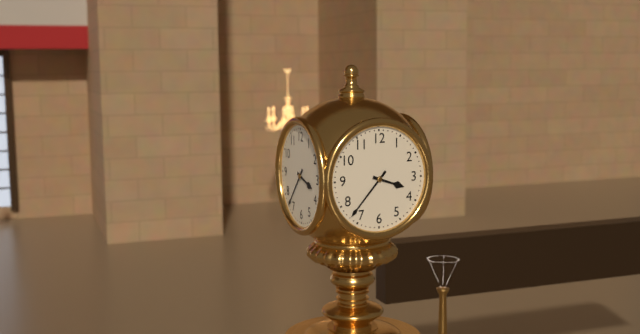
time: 3:37
